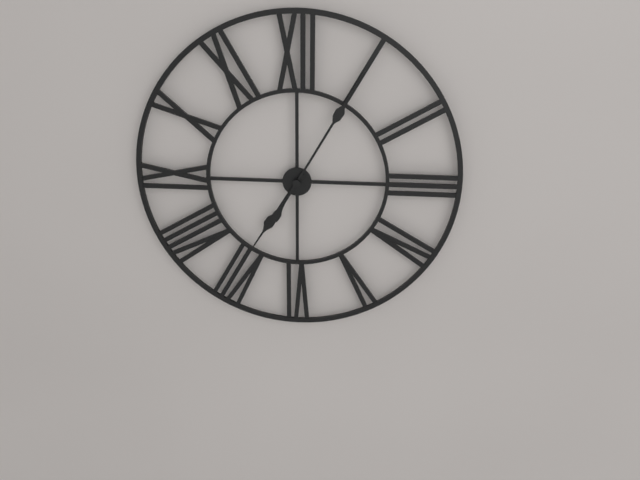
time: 7:05
